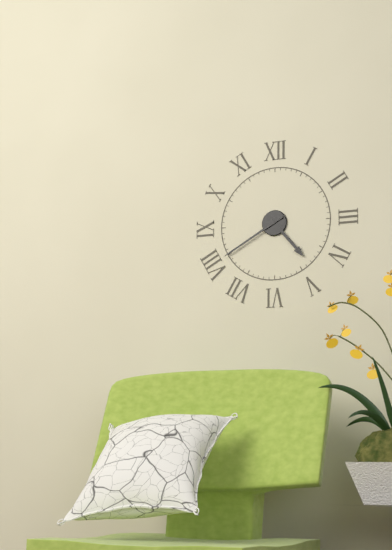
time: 4:40
